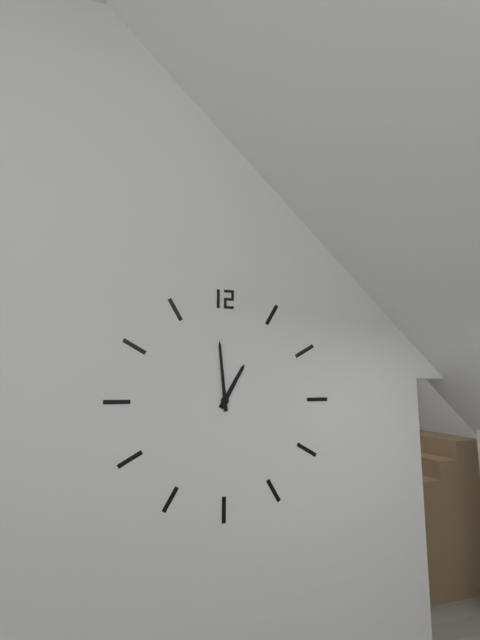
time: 12:59
